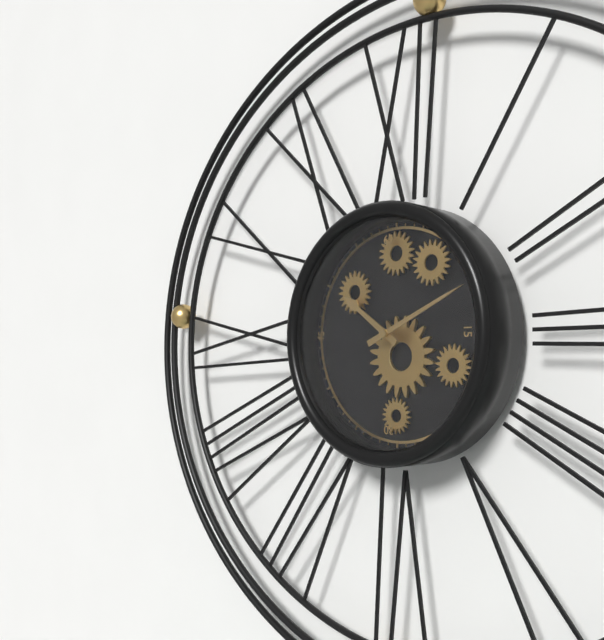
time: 10:11
